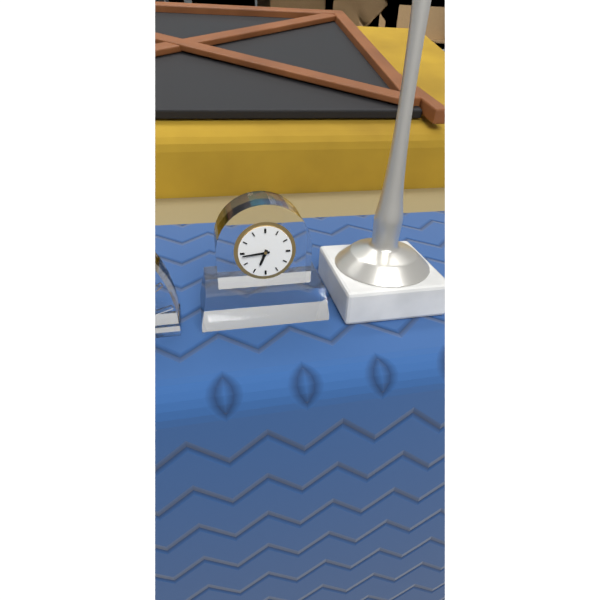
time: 6:44
